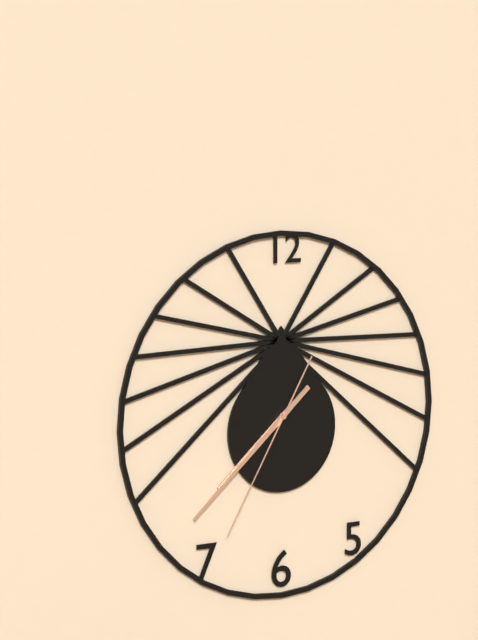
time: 7:38:35
